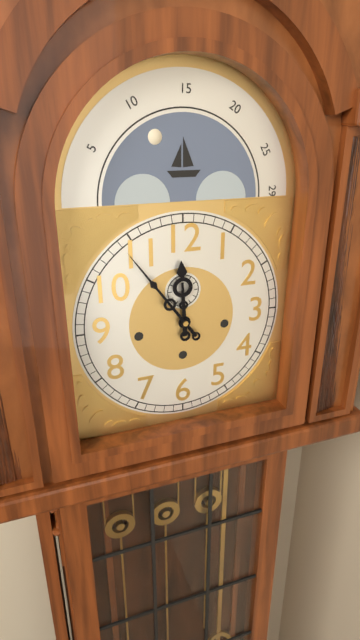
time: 11:54
